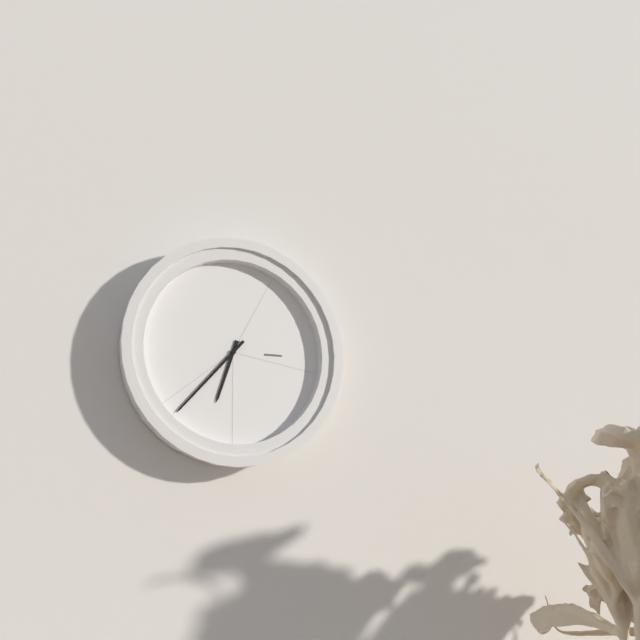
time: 6:37
